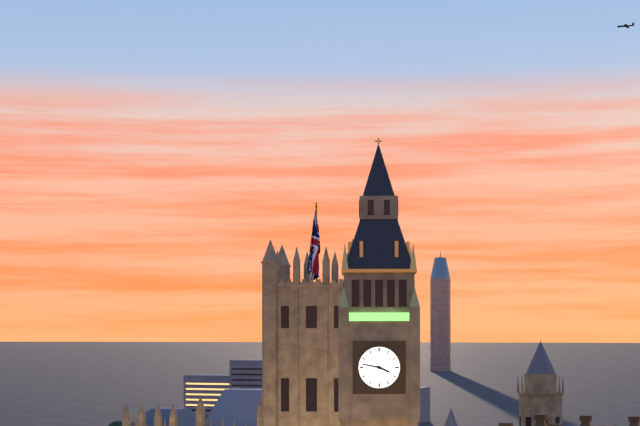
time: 3:47
